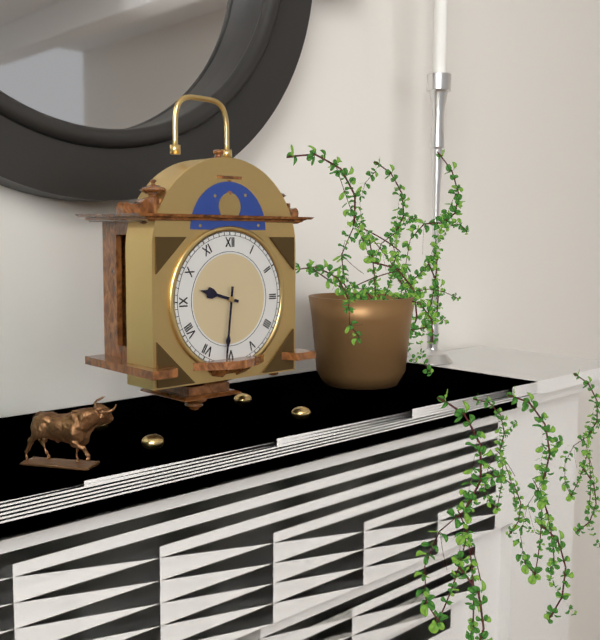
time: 9:31
